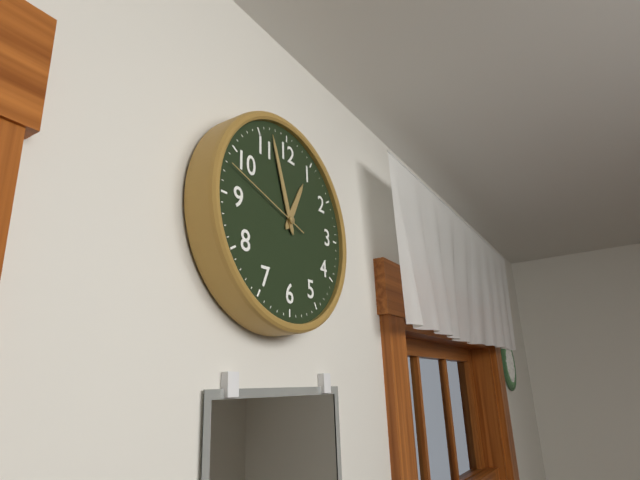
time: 12:57:48
